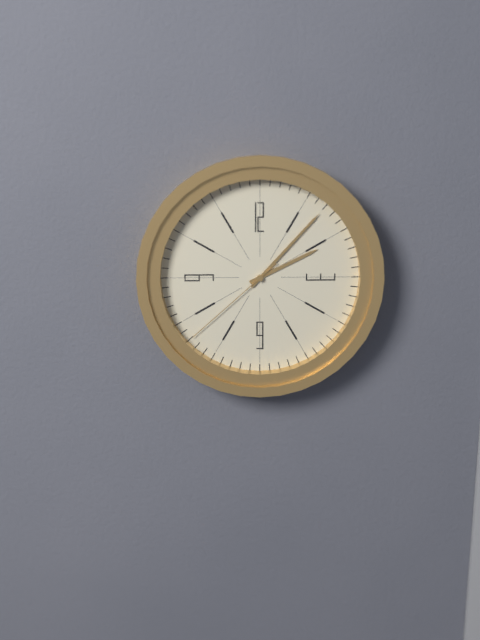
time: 2:07:38
